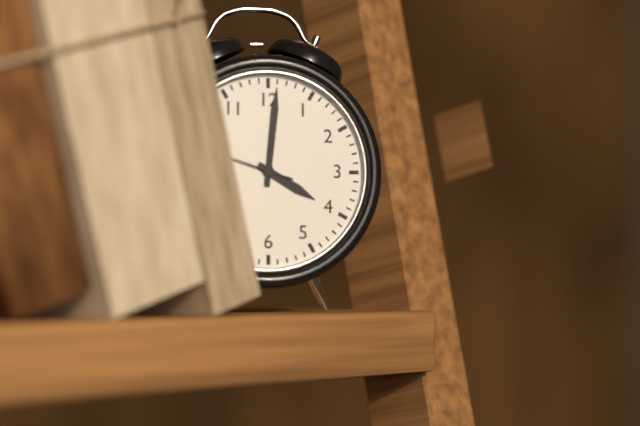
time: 4:01
